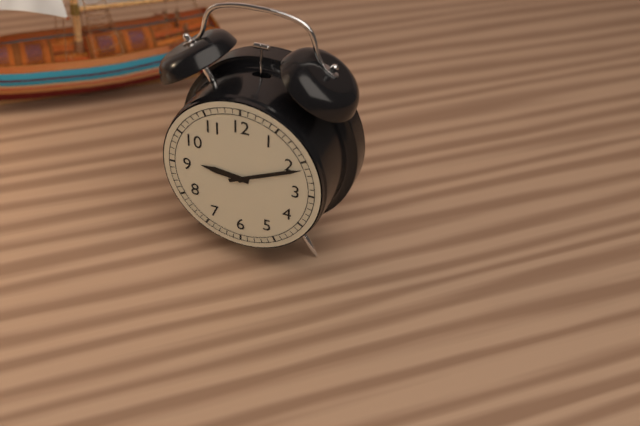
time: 9:11
